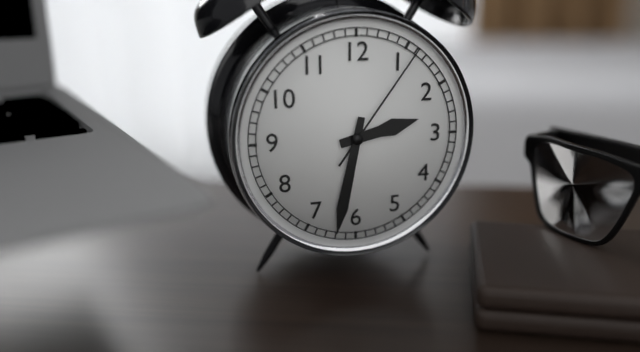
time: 2:32:06
